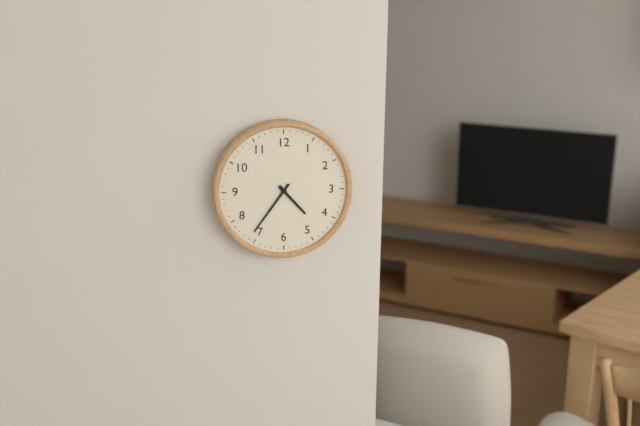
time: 4:36
